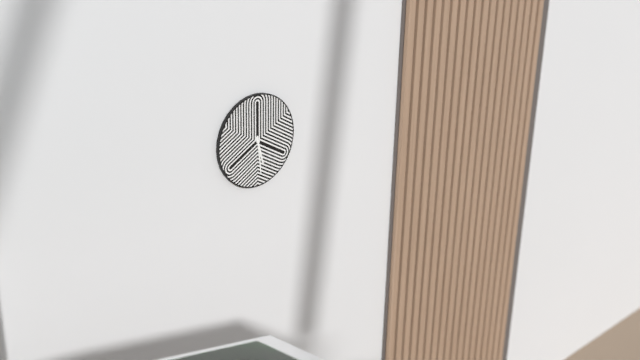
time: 5:29
